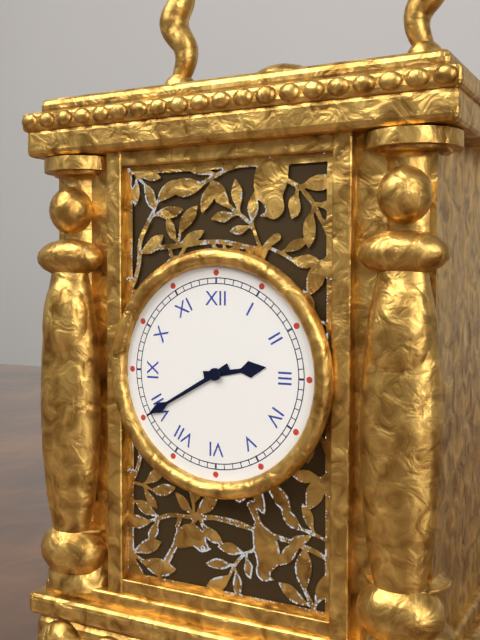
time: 2:40
